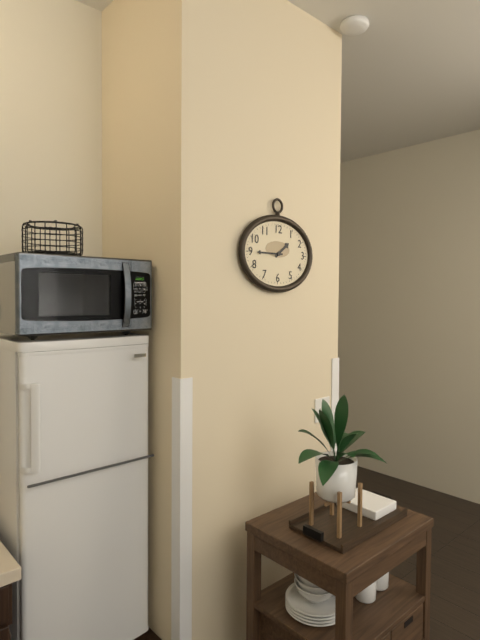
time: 1:45
